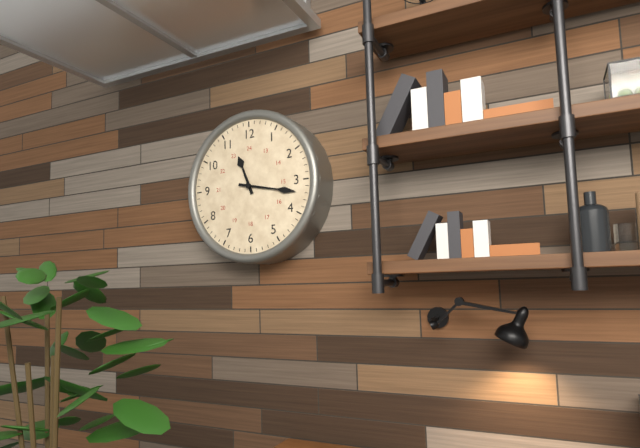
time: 11:17
